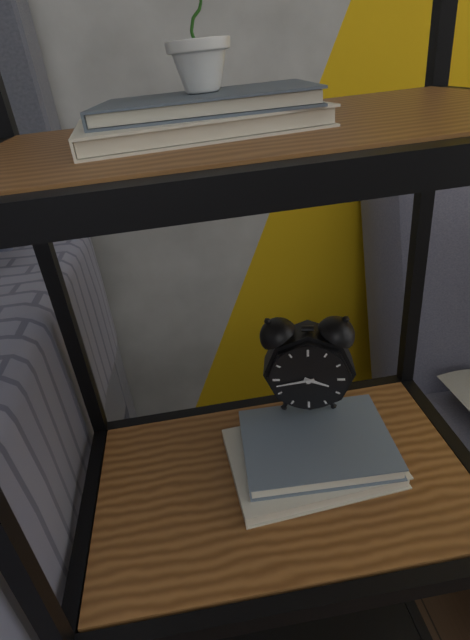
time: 3:43
